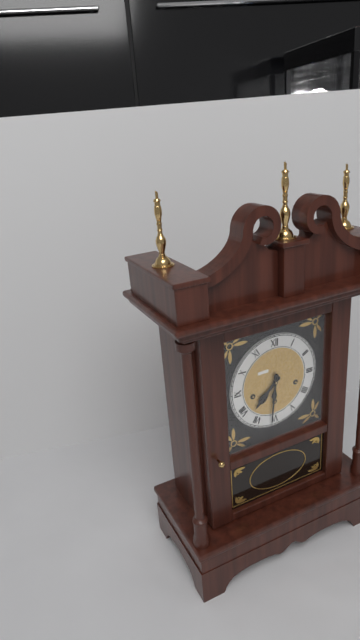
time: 7:31
